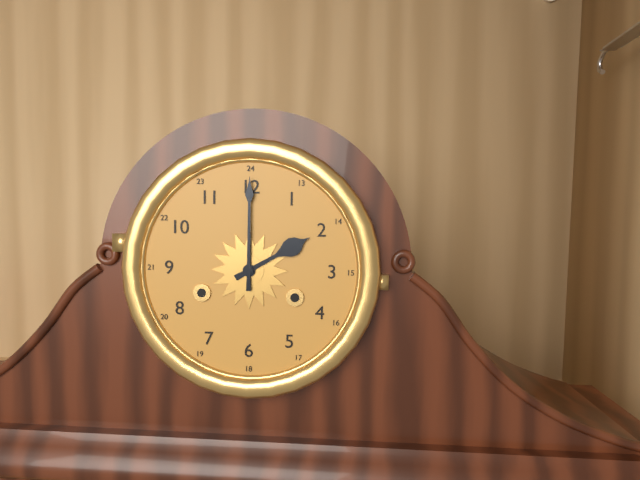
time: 2:00
